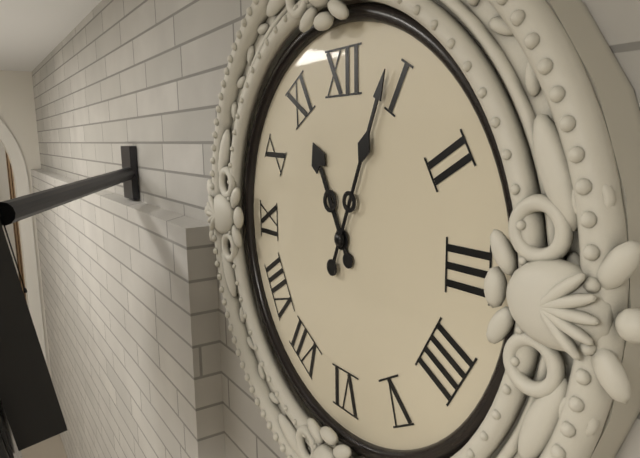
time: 11:04
